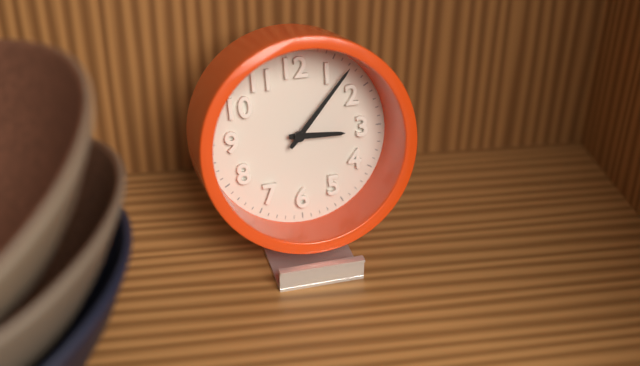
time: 3:07
